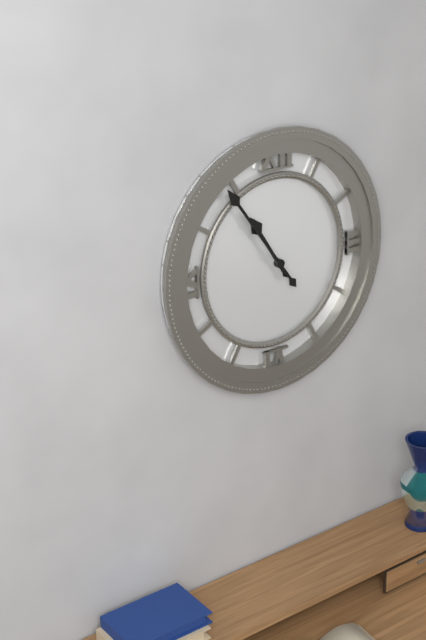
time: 10:54
